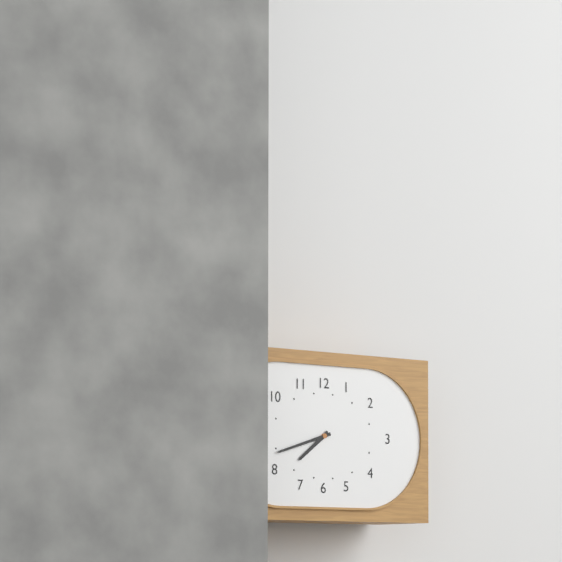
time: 7:42
